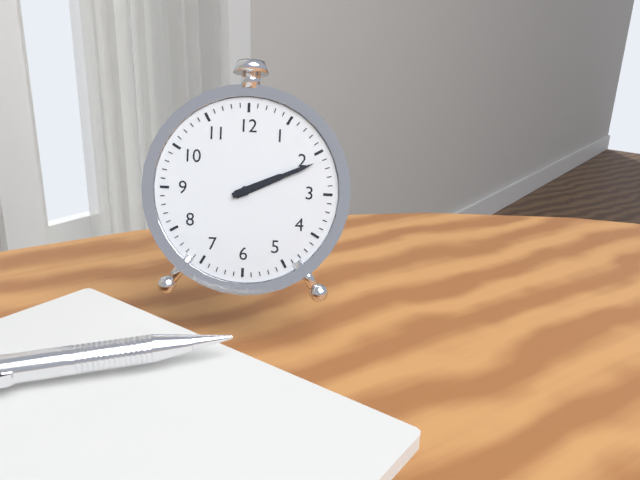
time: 2:11
